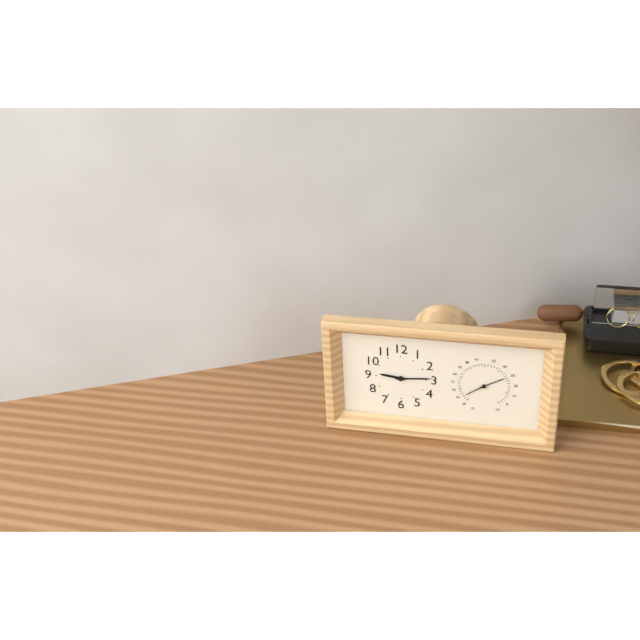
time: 9:14
